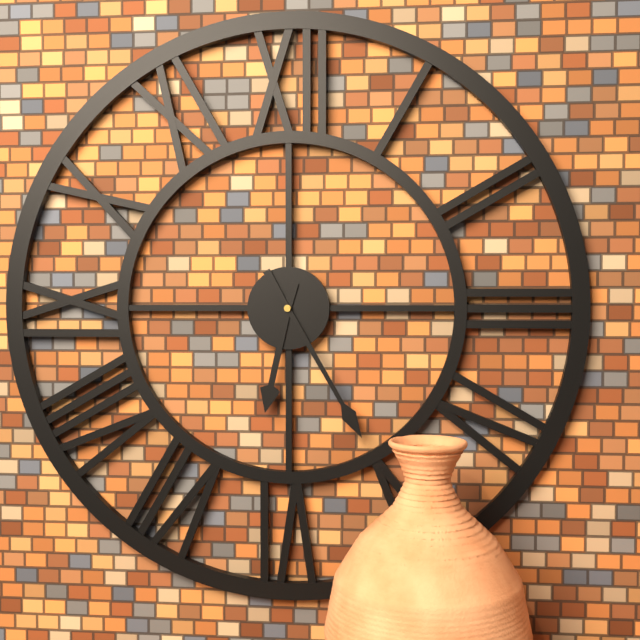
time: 6:25
